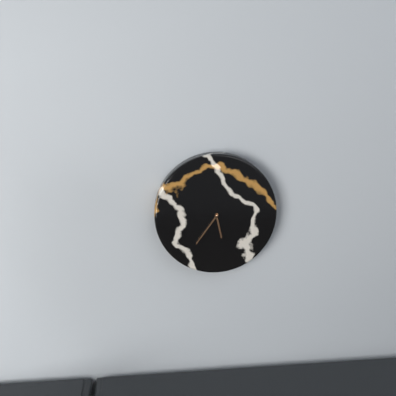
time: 5:36
